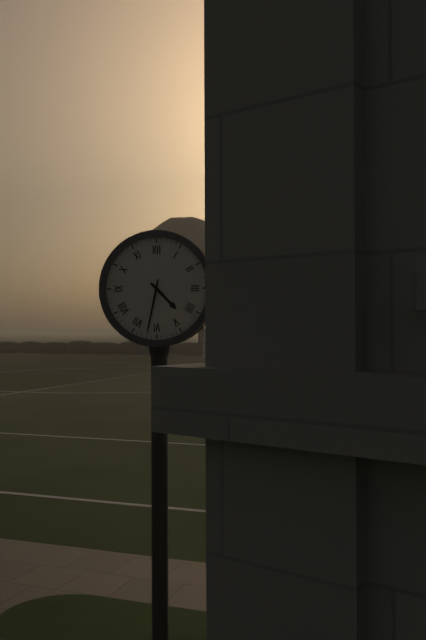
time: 4:32
